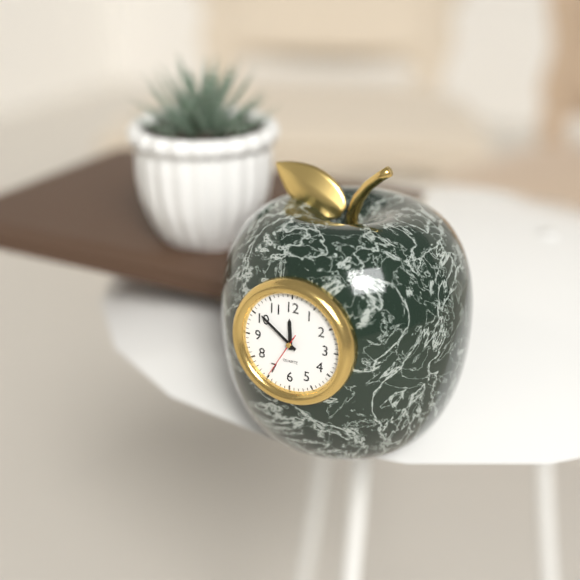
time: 11:51:35
